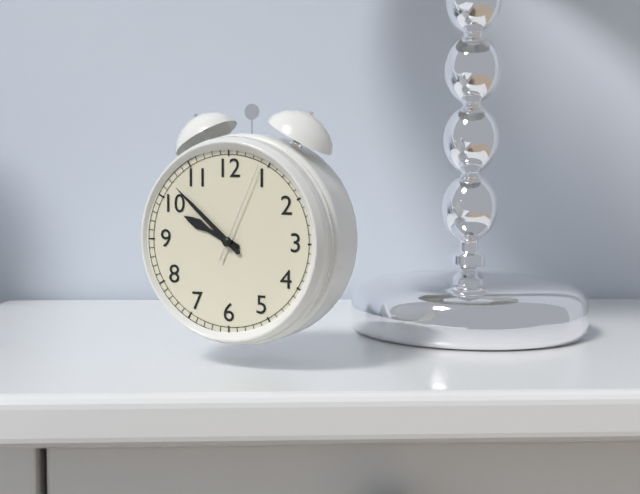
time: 9:52:04
